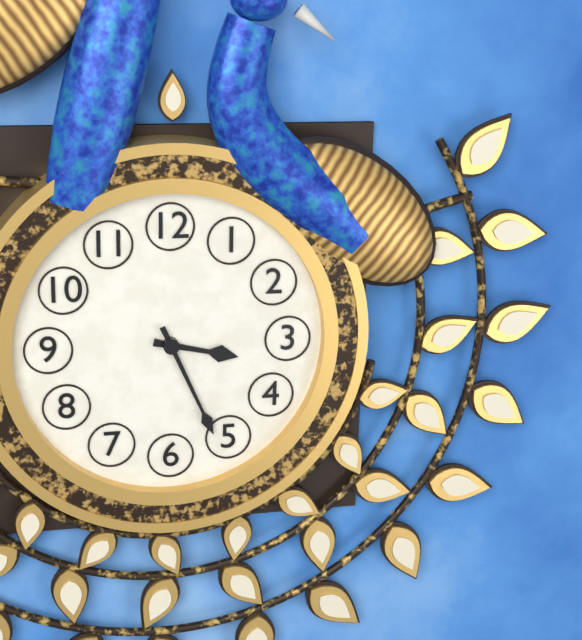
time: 3:26
